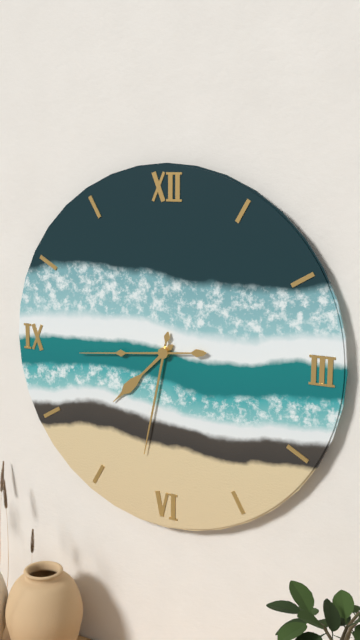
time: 7:32:44
